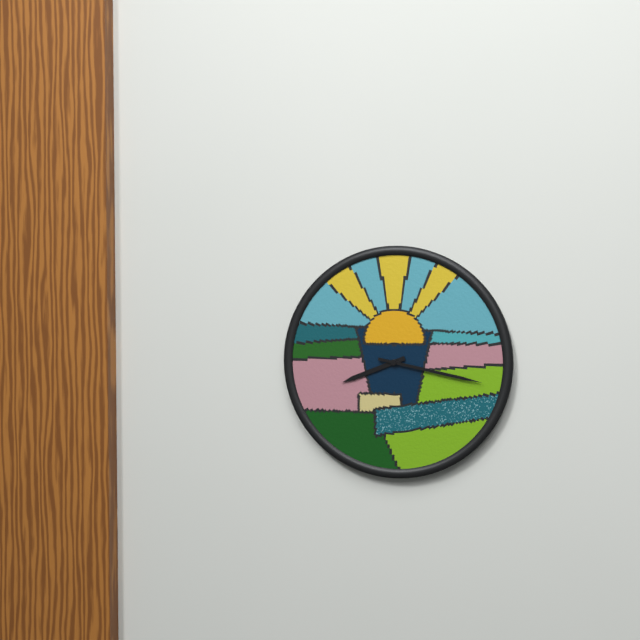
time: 8:17
